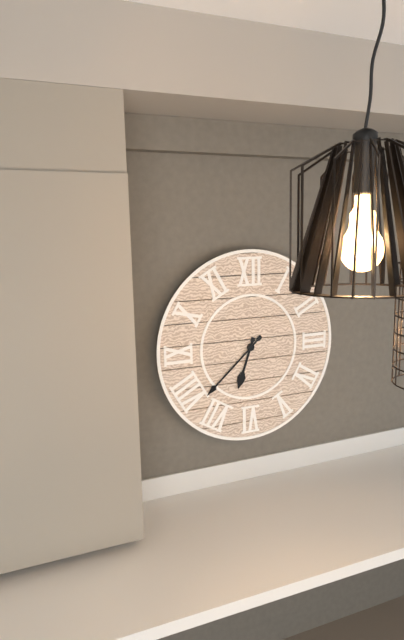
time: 6:38
